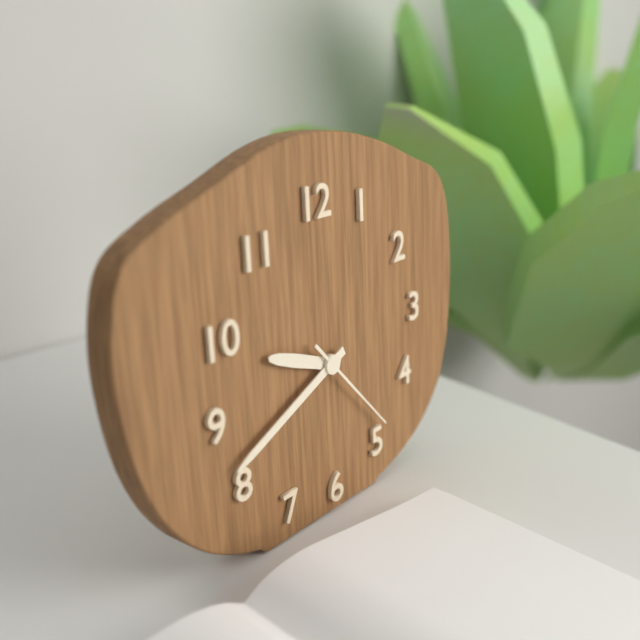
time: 9:41:23
